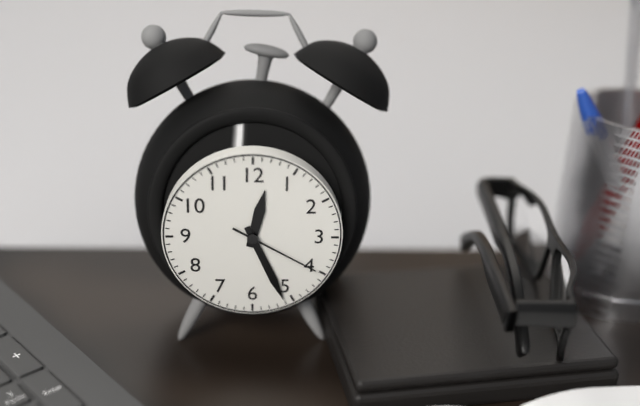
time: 12:26:20
